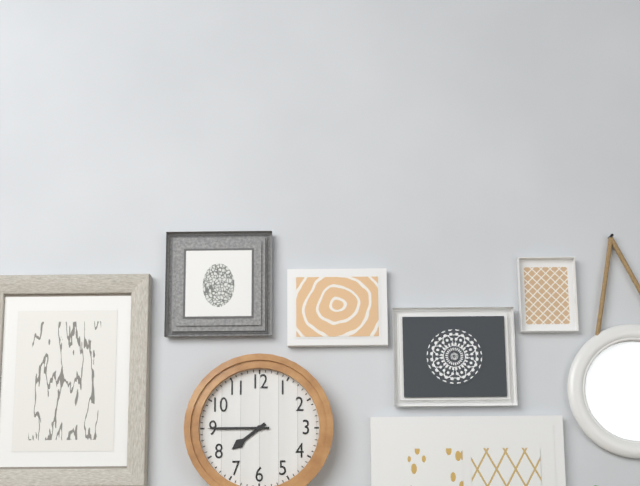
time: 7:45
